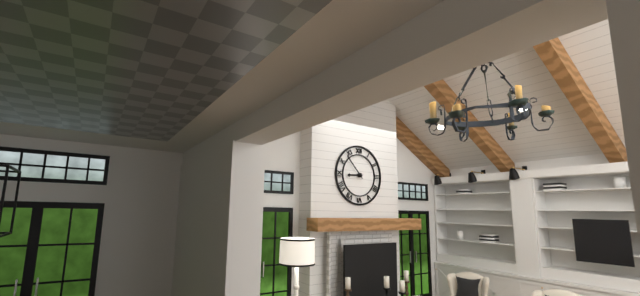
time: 8:53
